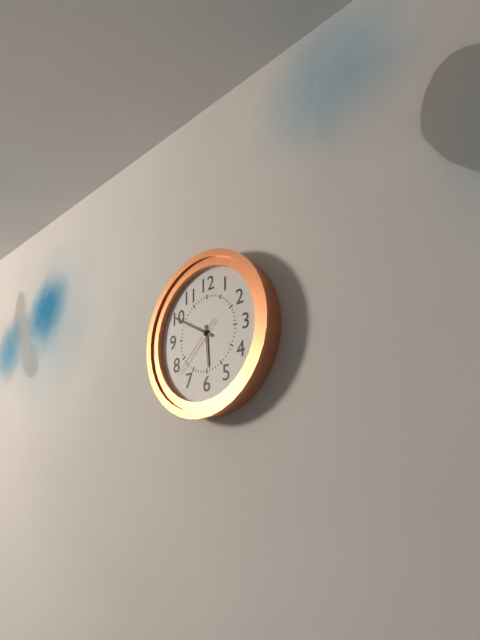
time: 5:50:38
